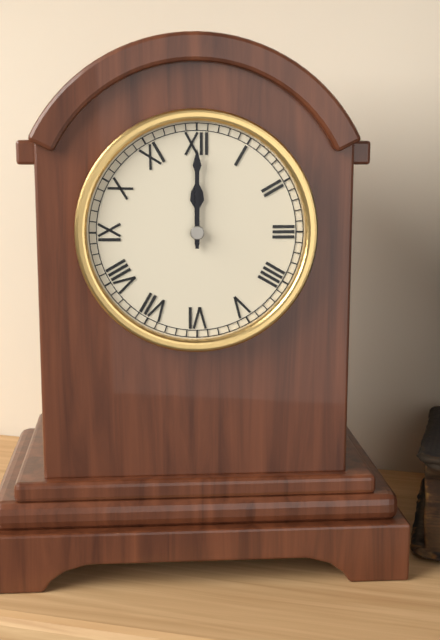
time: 12:00
